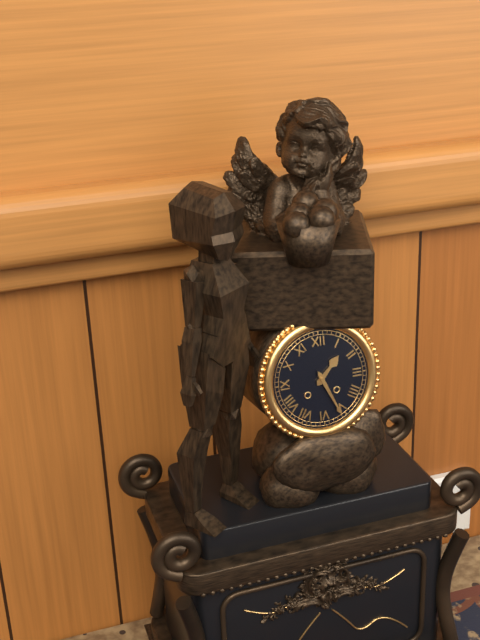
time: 1:26
